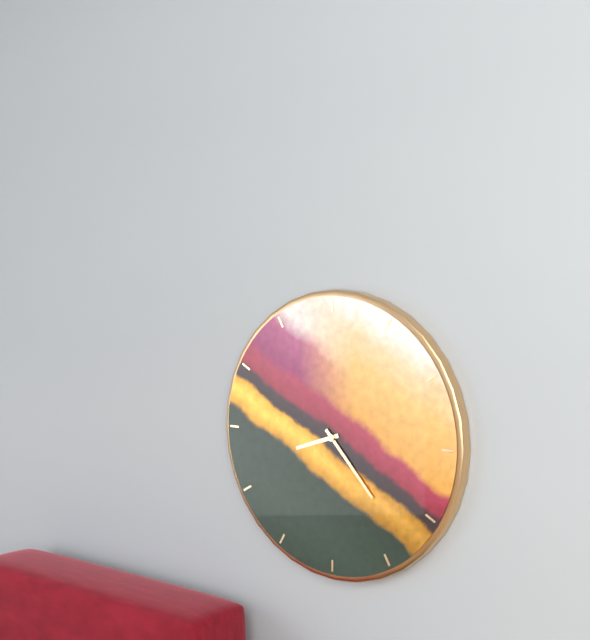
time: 8:23
